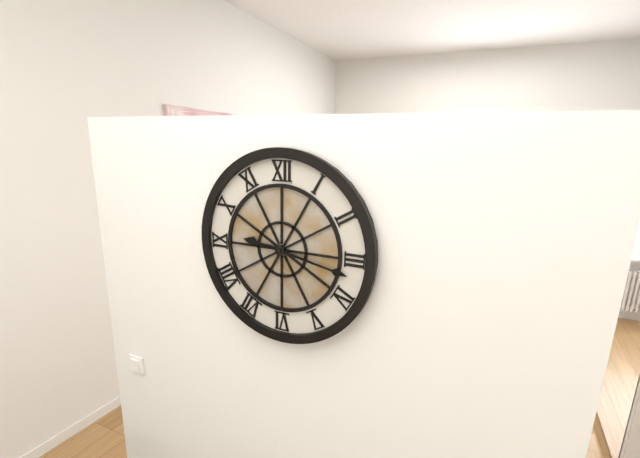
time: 9:17
